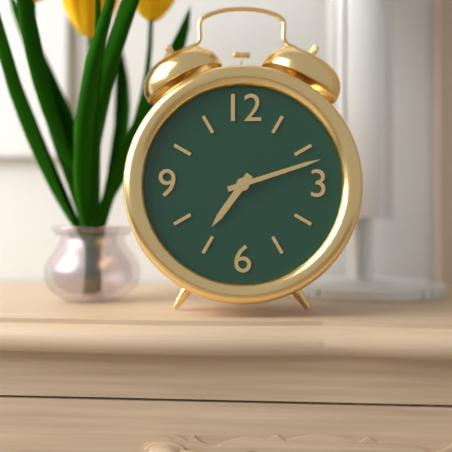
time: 7:12
